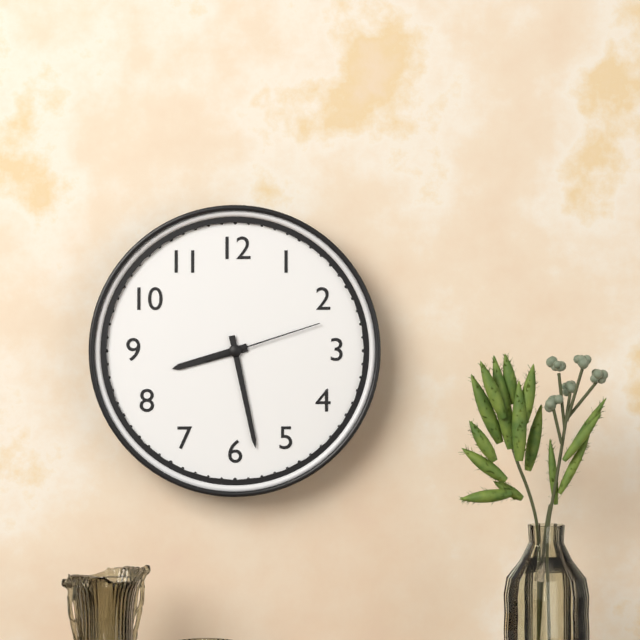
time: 8:28:12
